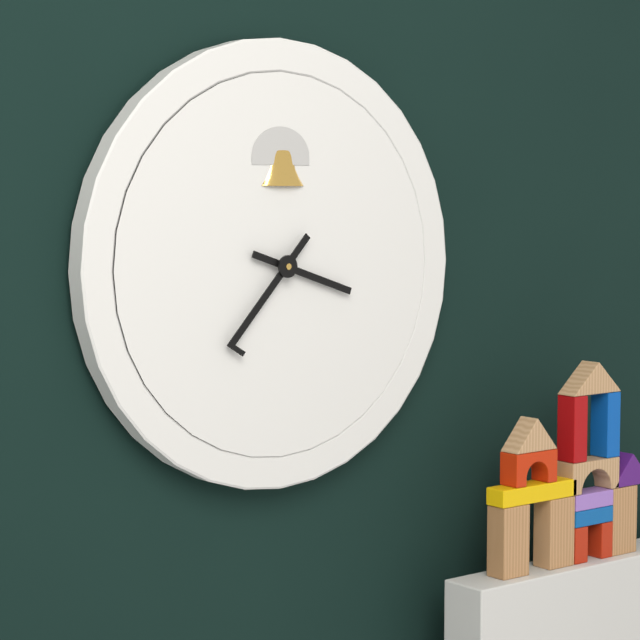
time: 3:37
